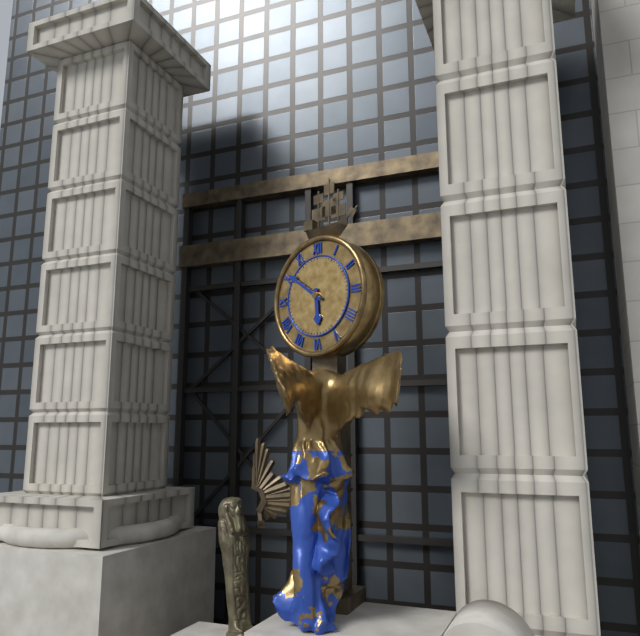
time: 5:51
